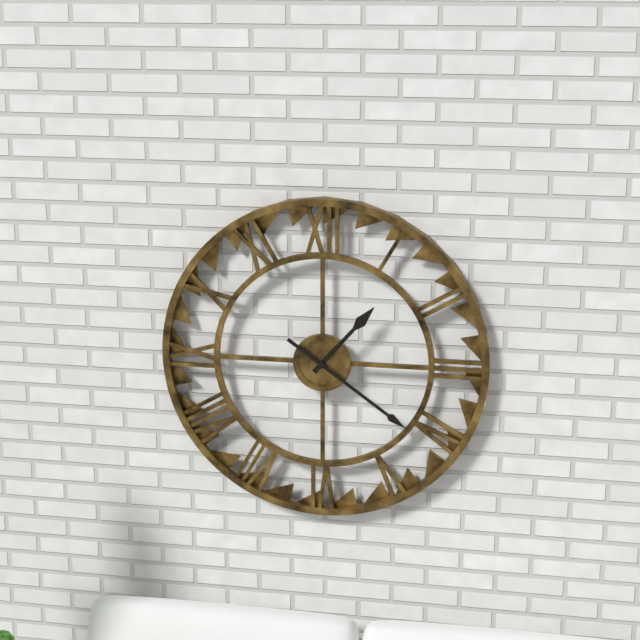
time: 1:21
